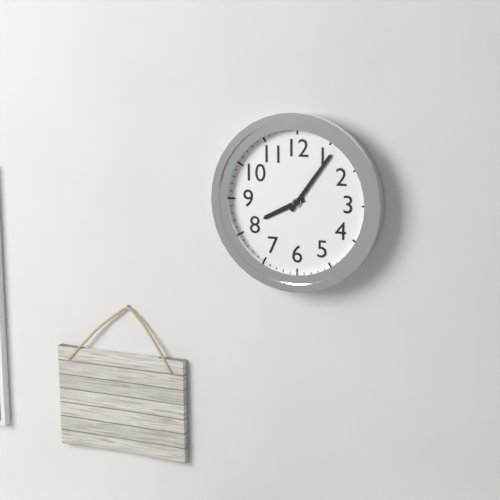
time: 8:06
